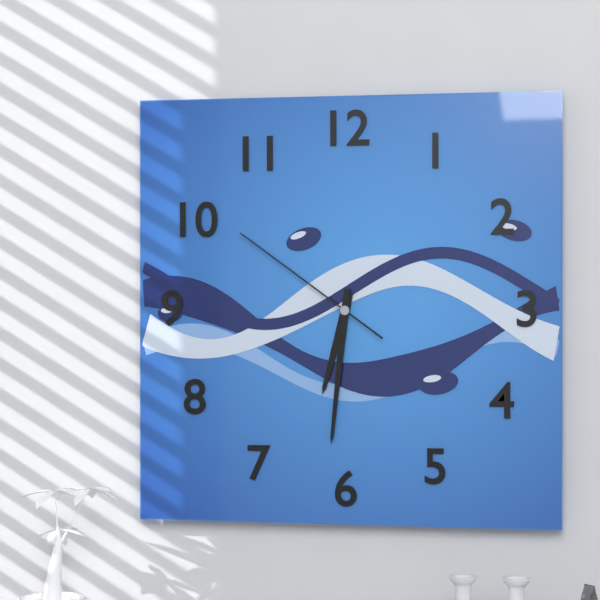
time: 6:31:51
